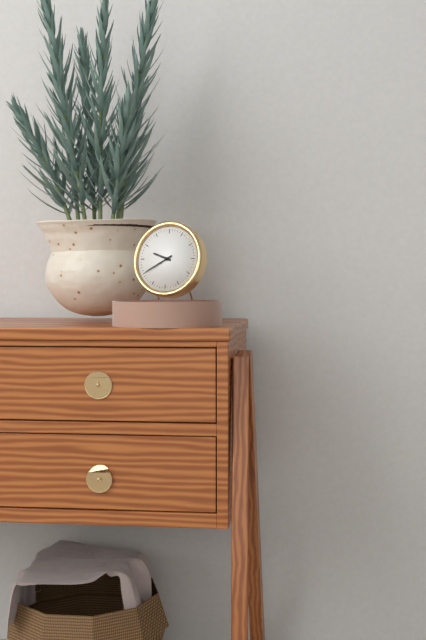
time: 9:40
